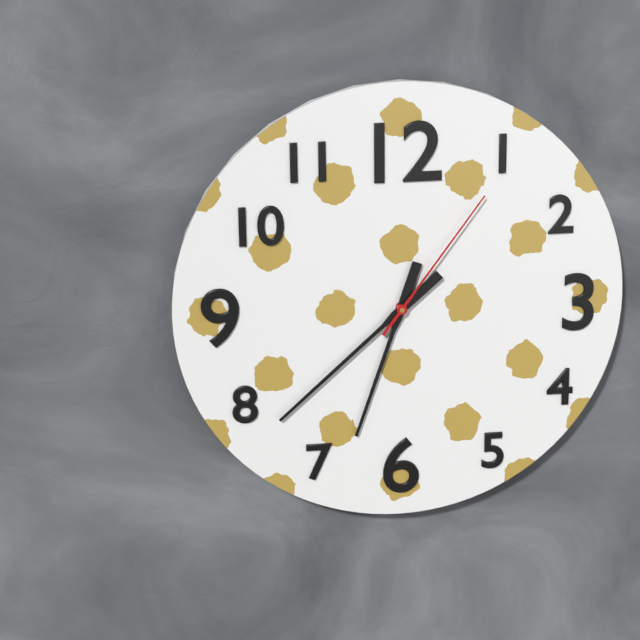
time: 6:38:06
